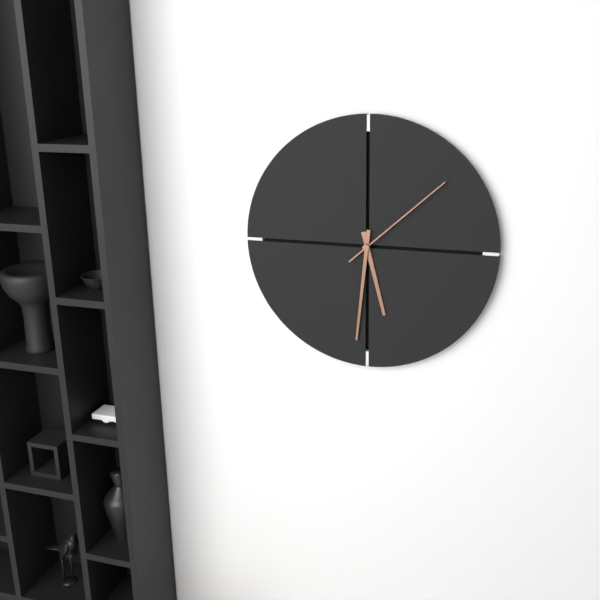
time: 5:31:08
